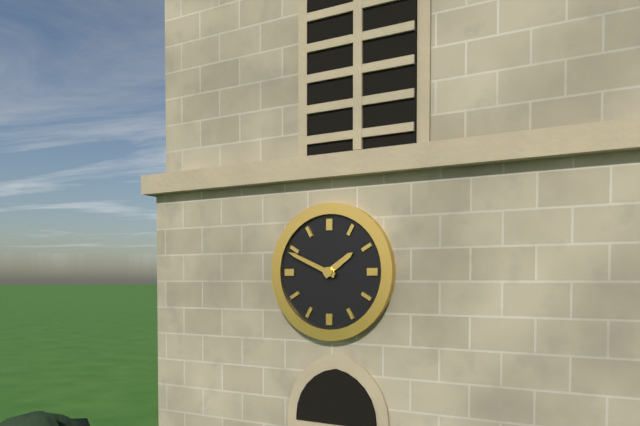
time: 1:49
